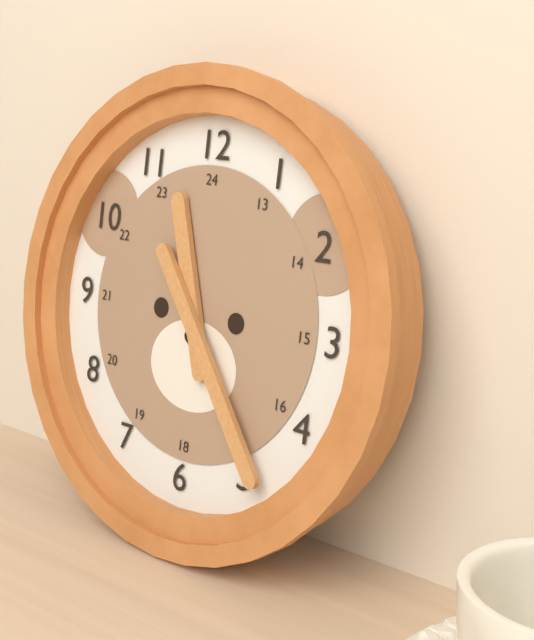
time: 11:24
